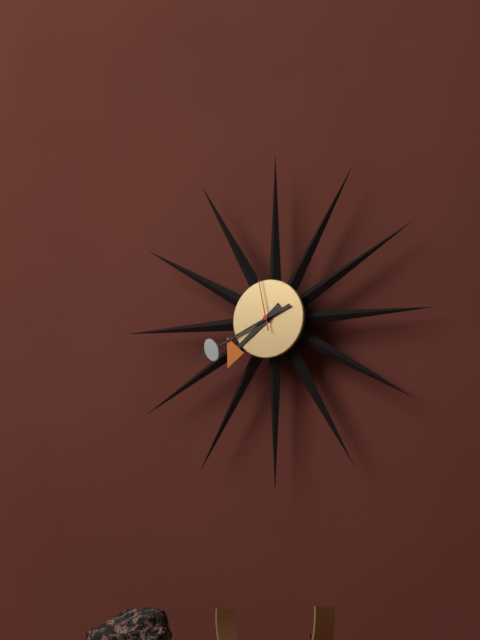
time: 7:41:58
